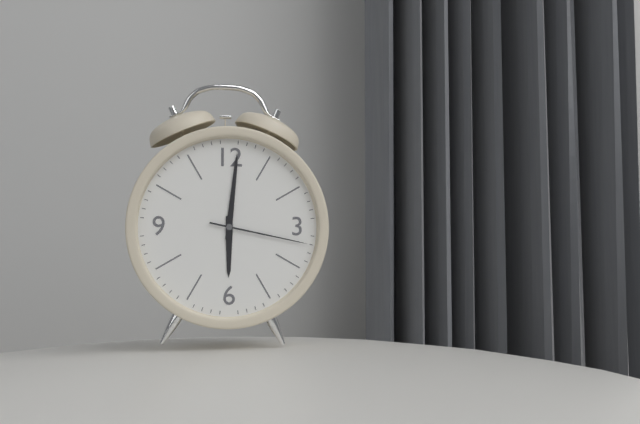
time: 6:01:17
